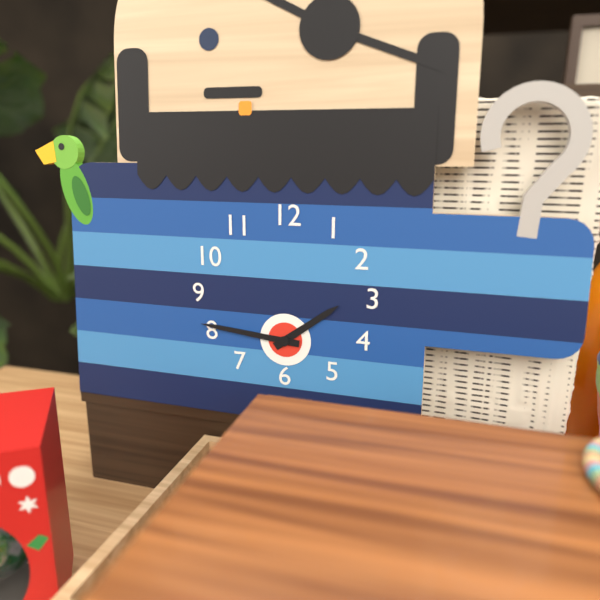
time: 1:46
